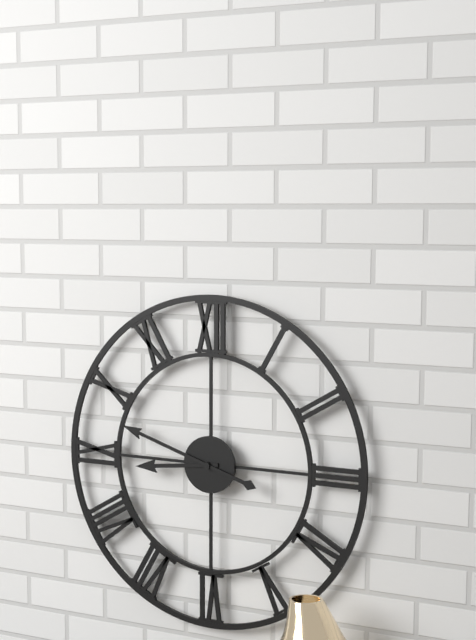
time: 8:48
